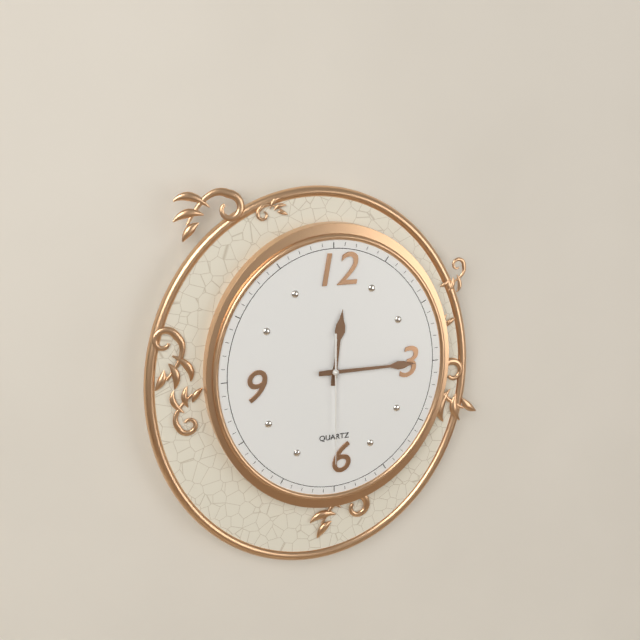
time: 12:15:30
